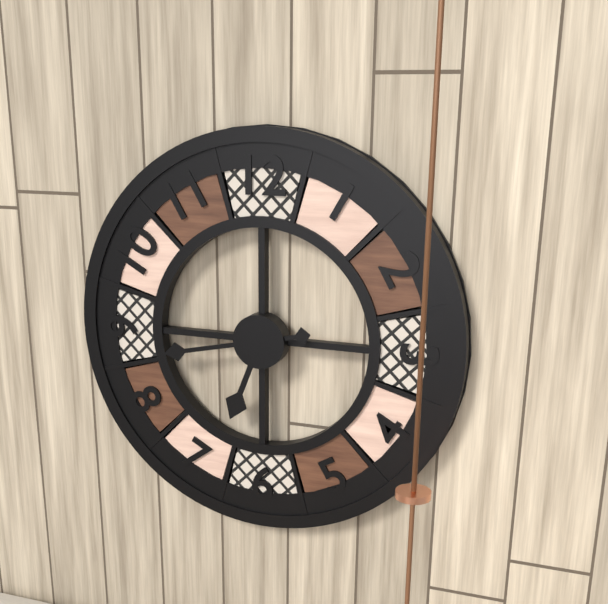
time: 6:43
